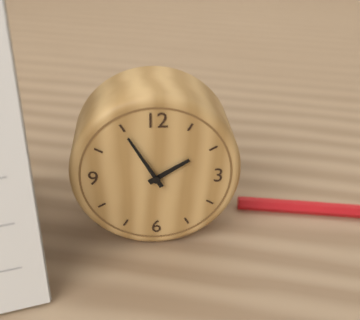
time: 1:55
